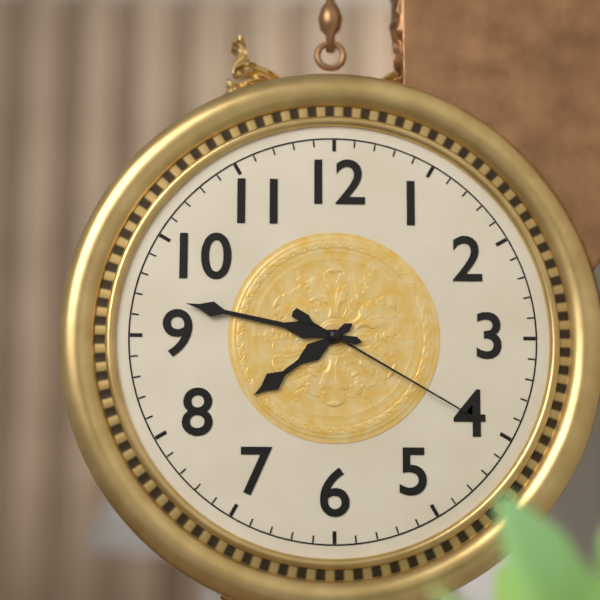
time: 7:47:20
